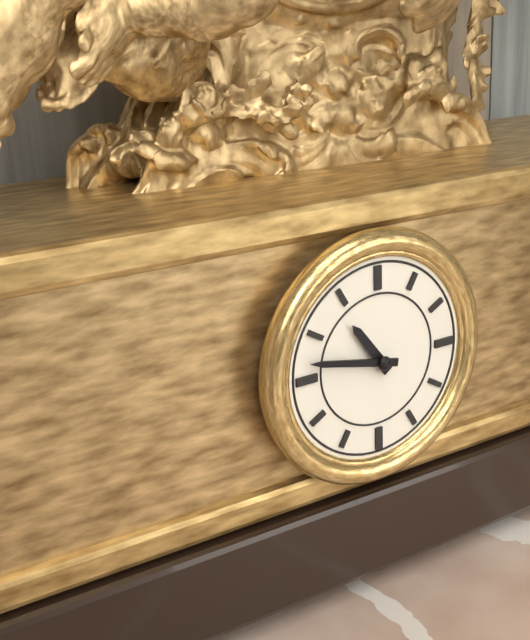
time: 10:47
